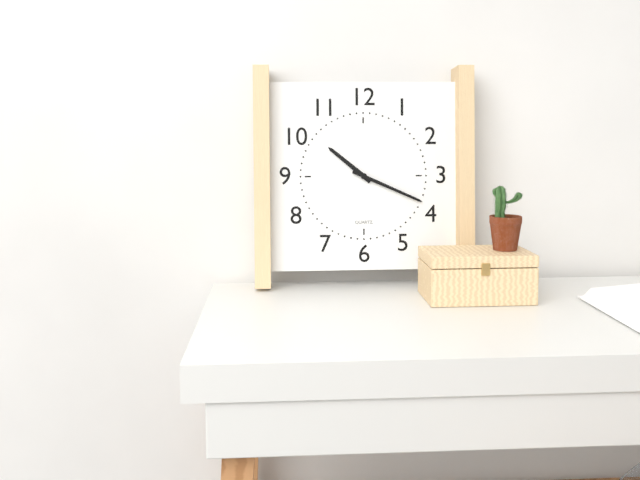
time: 10:19
